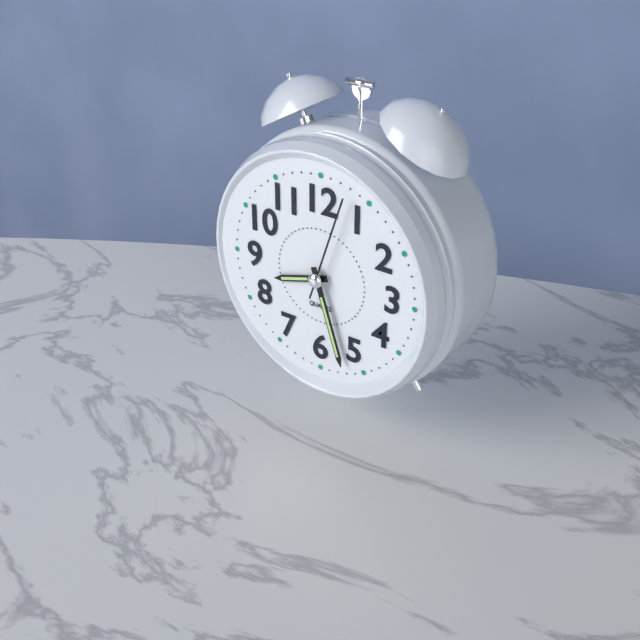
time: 8:27:03
